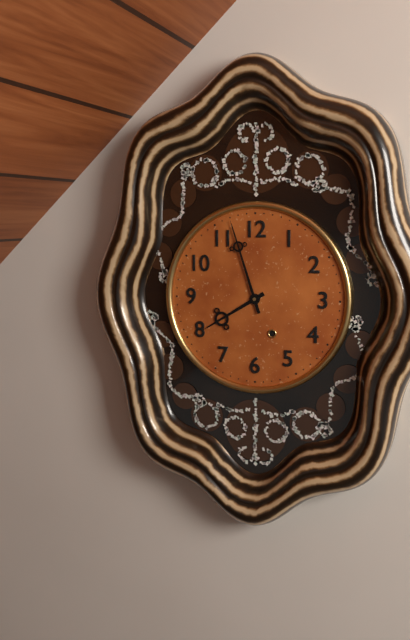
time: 7:57
